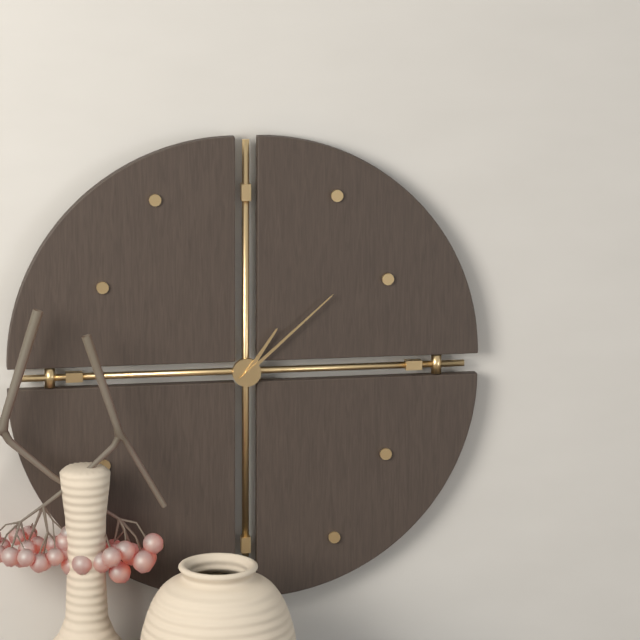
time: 1:08
